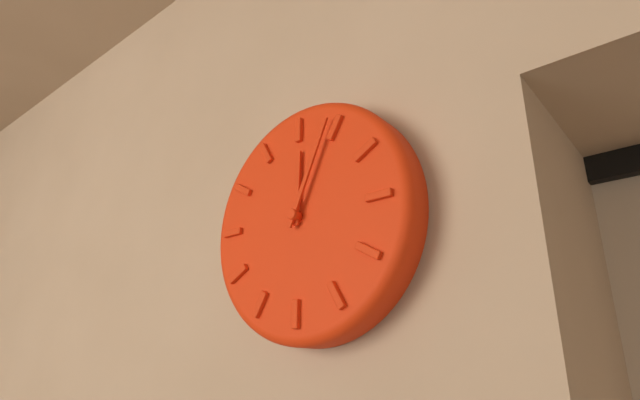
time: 12:04
